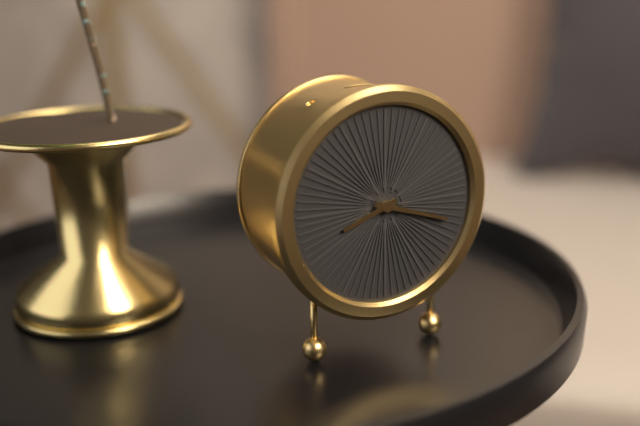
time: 8:18
